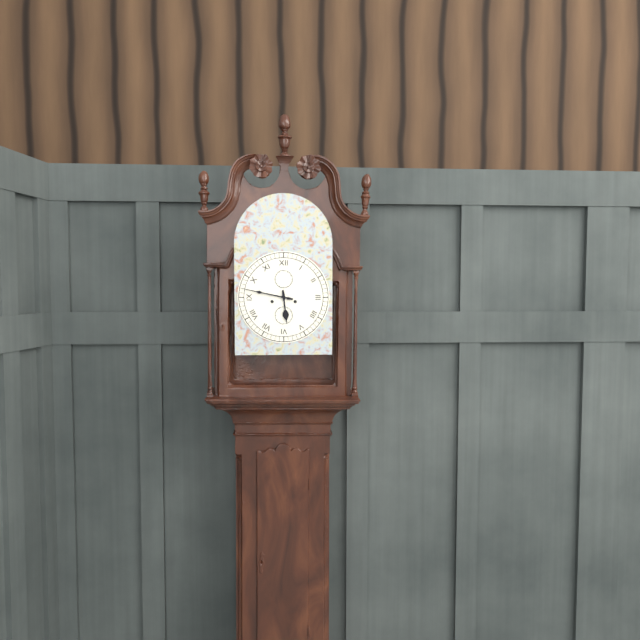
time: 5:47
